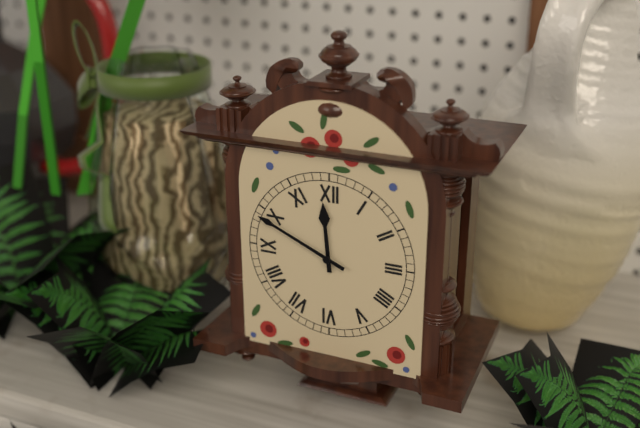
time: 11:49
